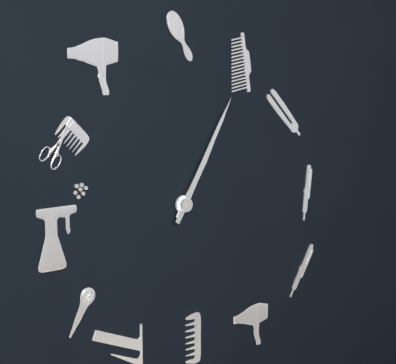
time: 1:05
